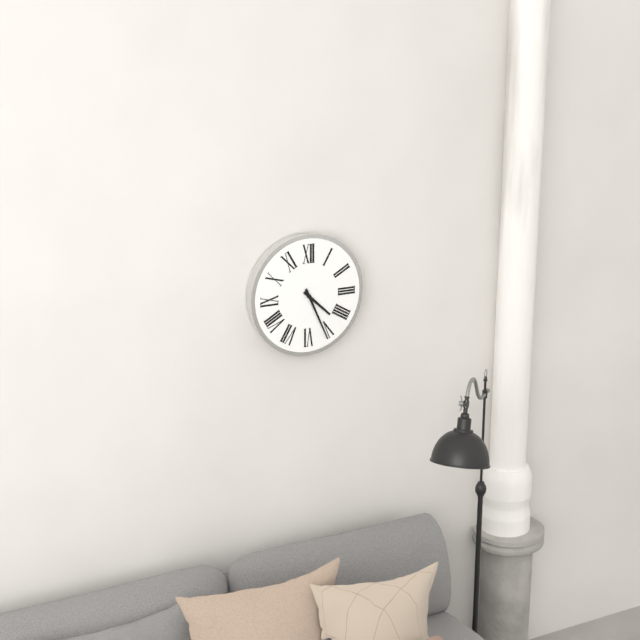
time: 4:26
